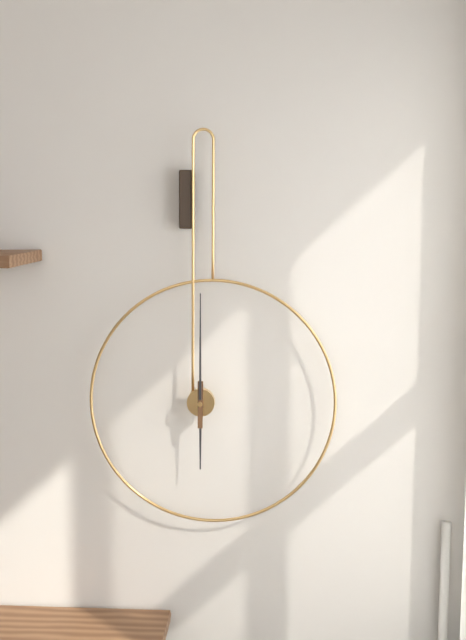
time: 6:00
